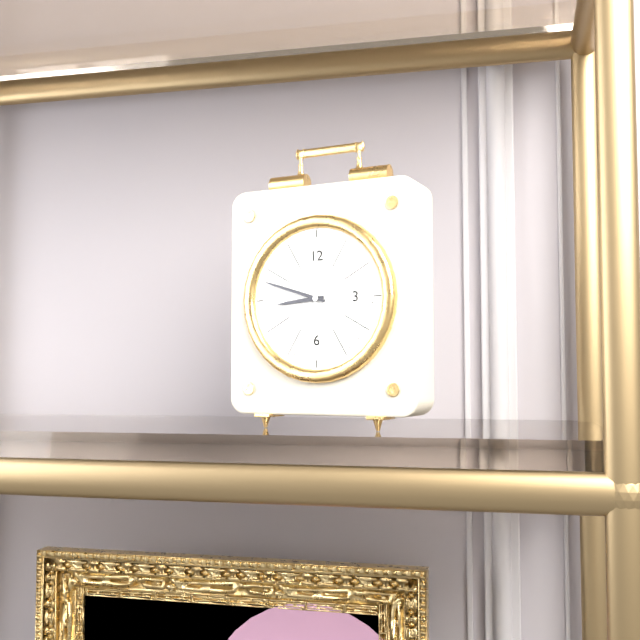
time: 8:48
